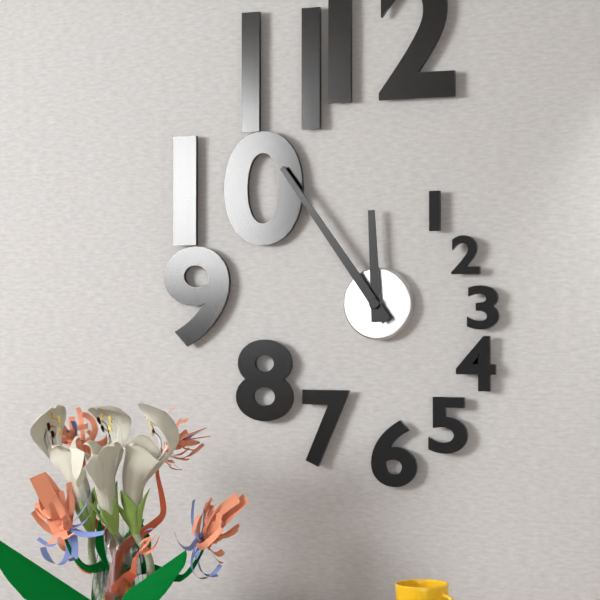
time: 11:54
